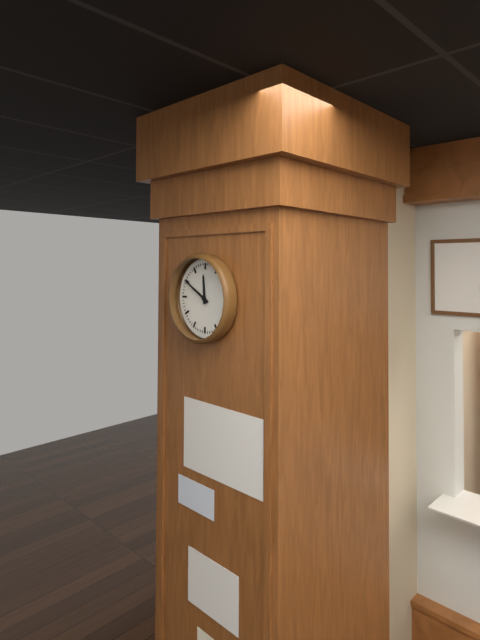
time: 11:50
